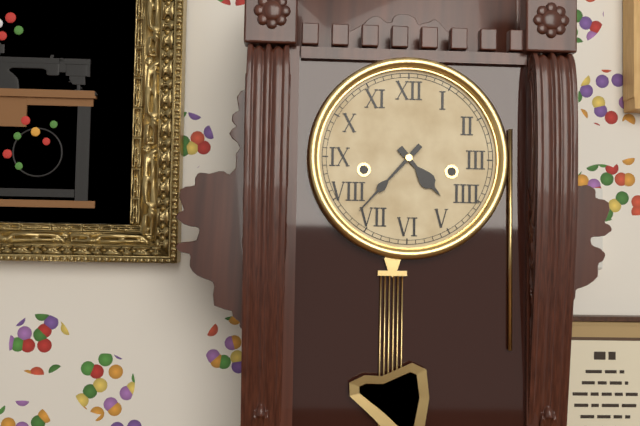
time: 4:37
